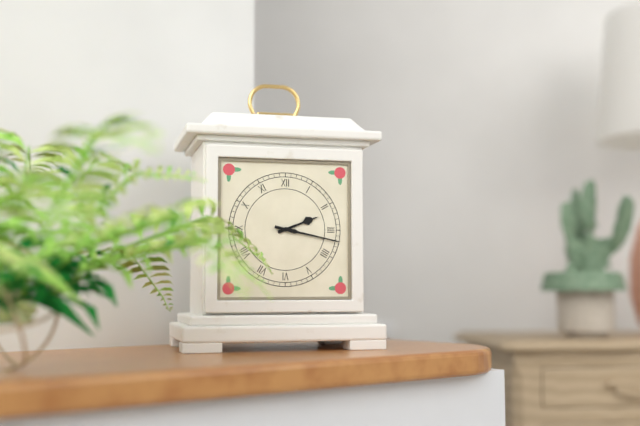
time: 2:17
